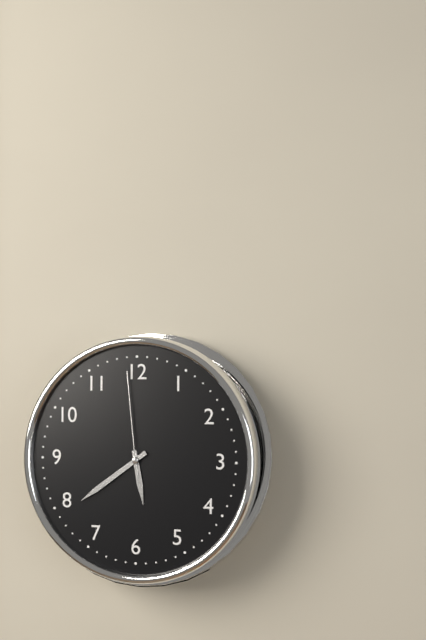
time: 5:39:59
